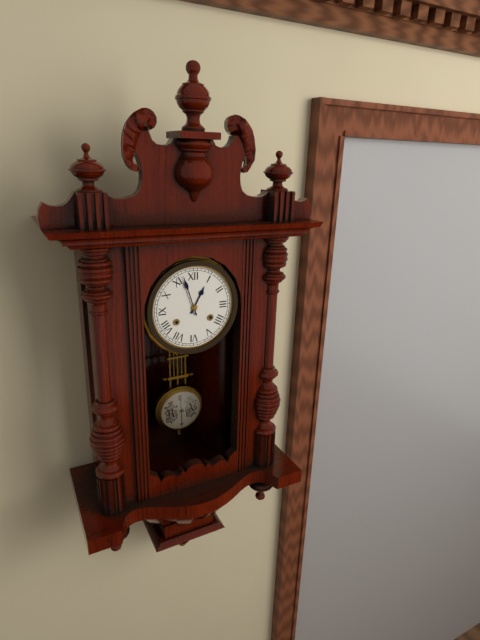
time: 12:57
